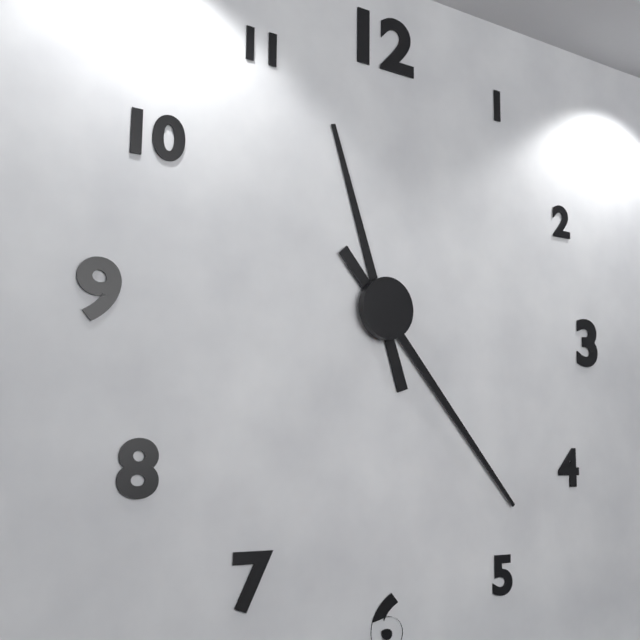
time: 11:23
